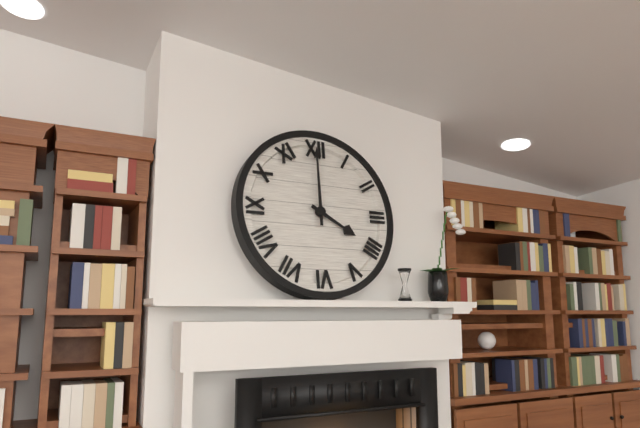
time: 4:00
